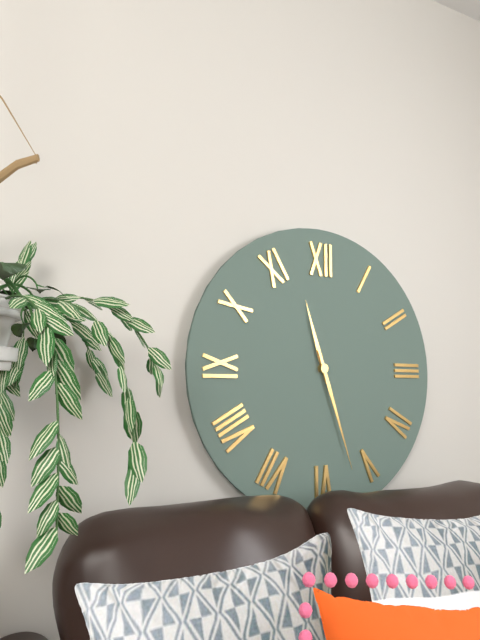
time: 11:27
